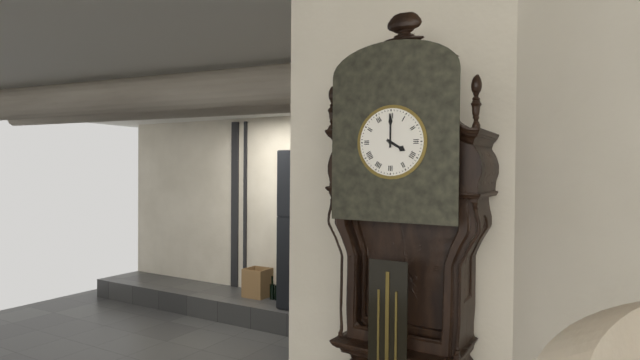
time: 4:00
